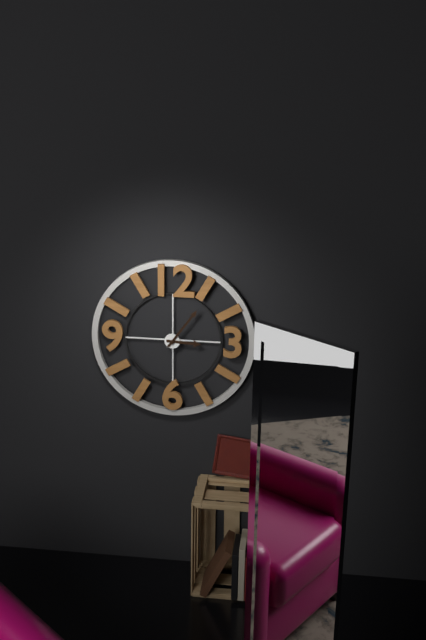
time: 3:06
